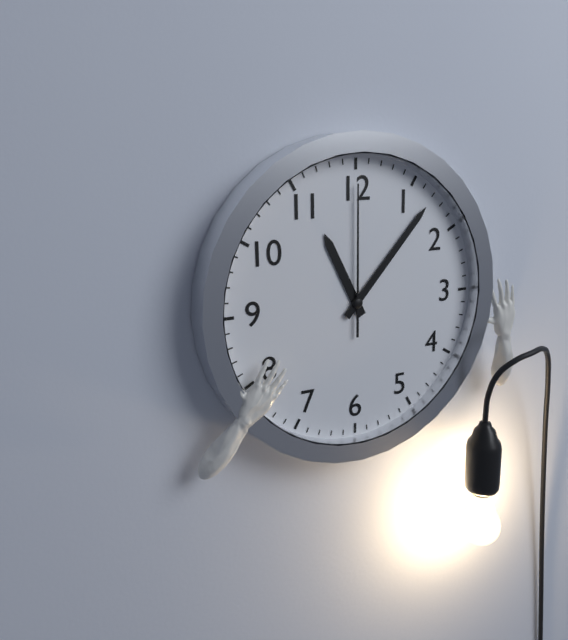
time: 11:07:00
